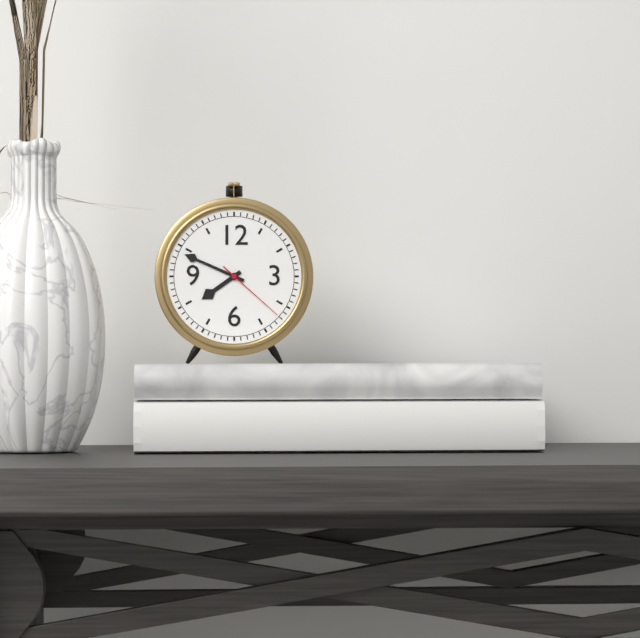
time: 7:49:22
